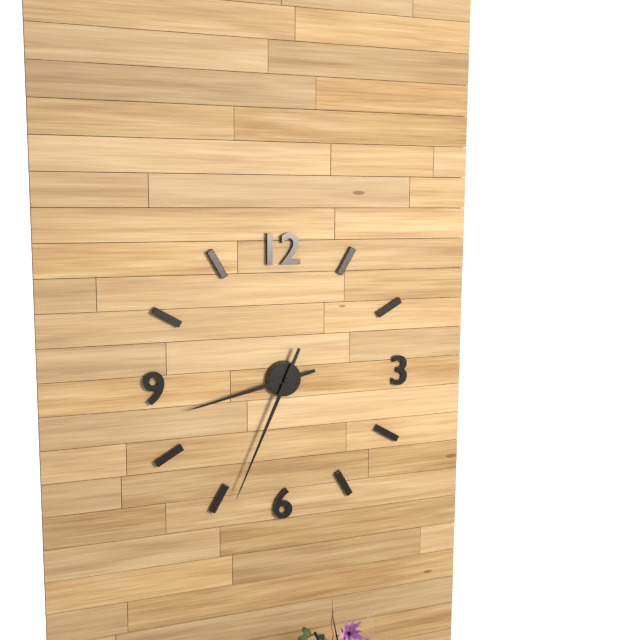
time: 8:34
